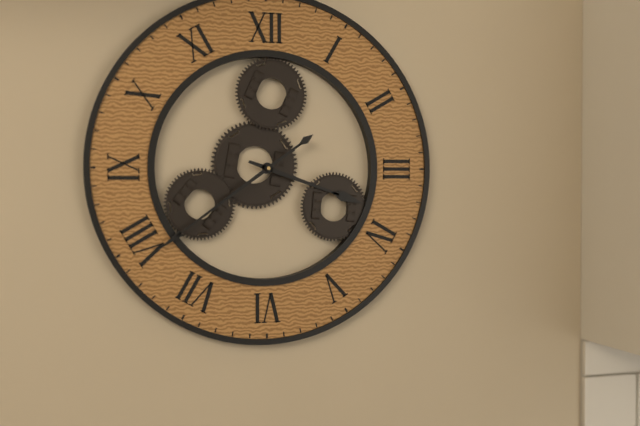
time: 3:39
